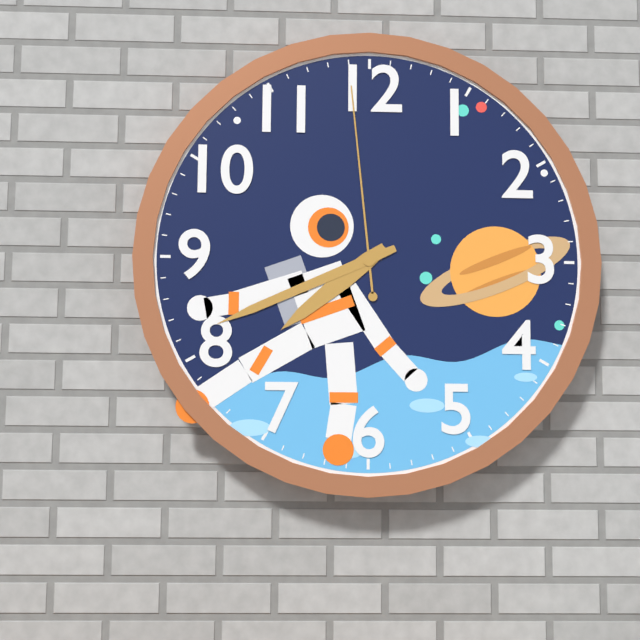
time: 7:41:59
